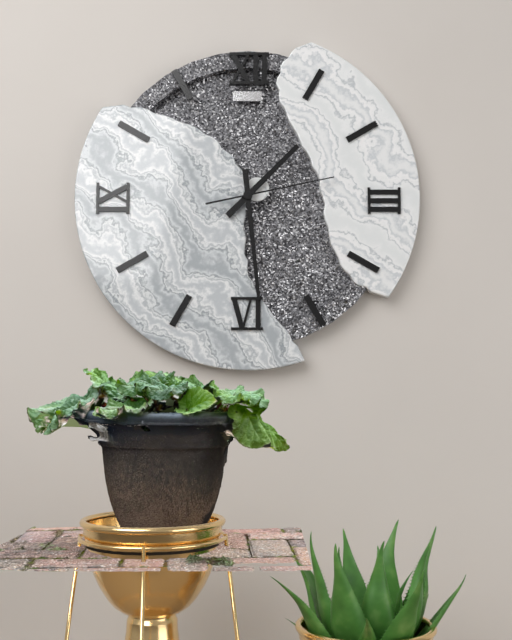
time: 1:29:13
